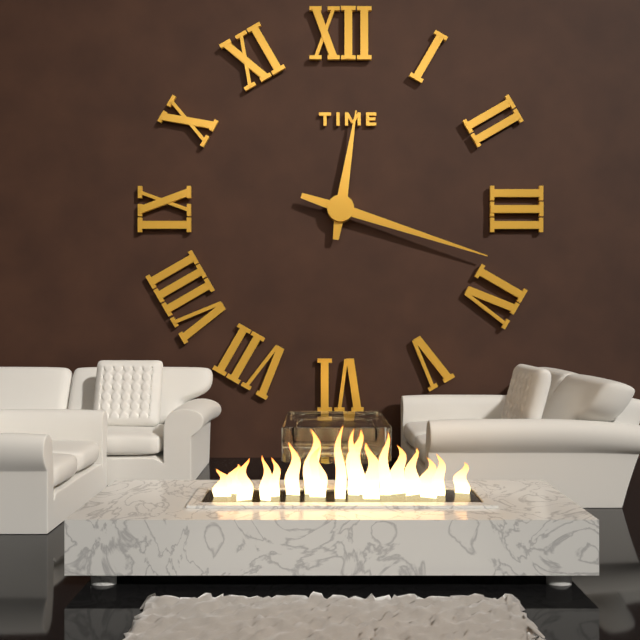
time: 12:18
